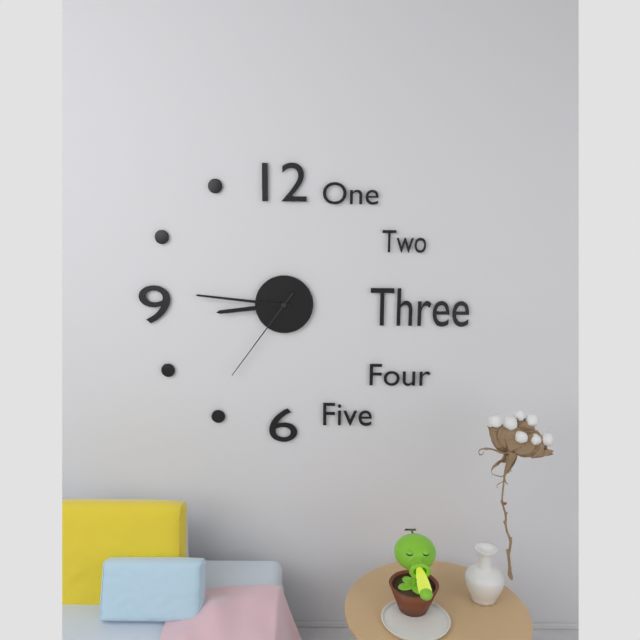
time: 8:46:36
